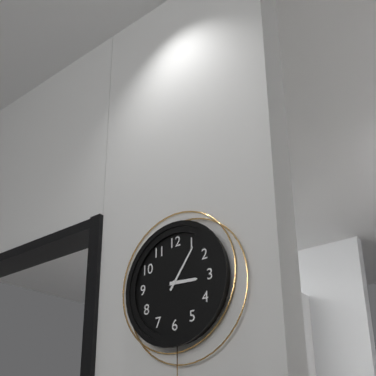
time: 3:06
